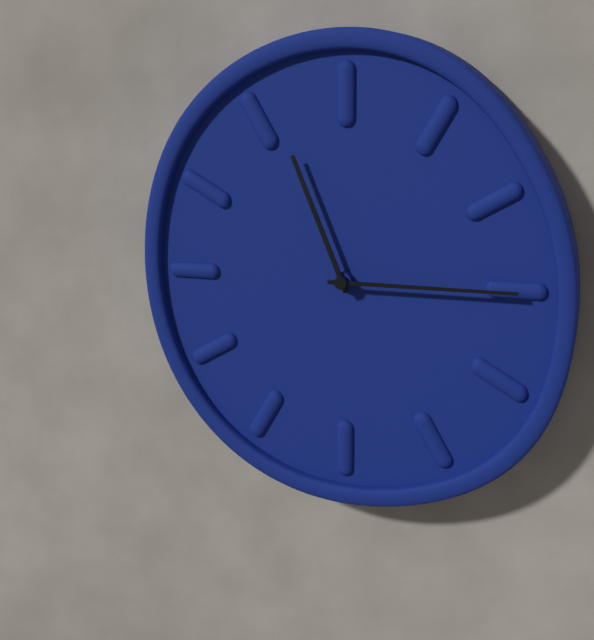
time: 11:15
